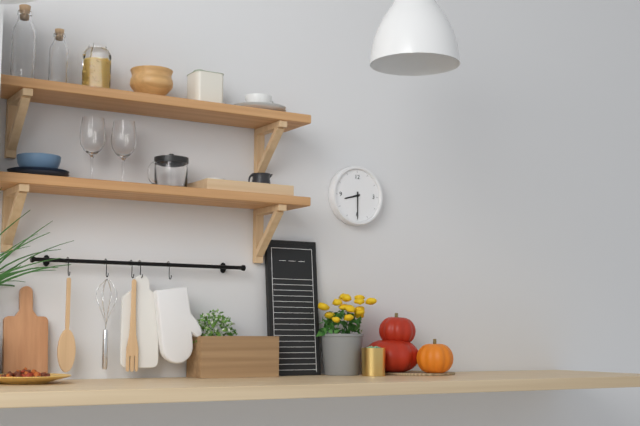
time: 8:30
